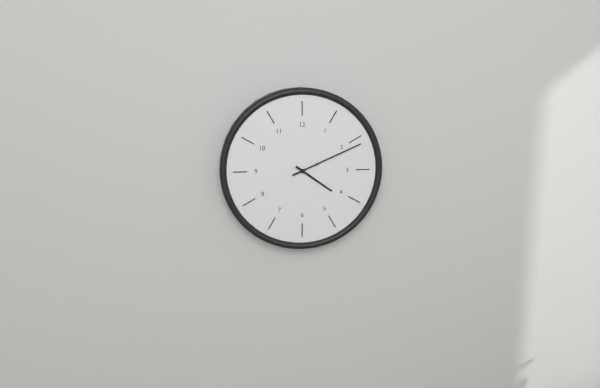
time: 4:11
